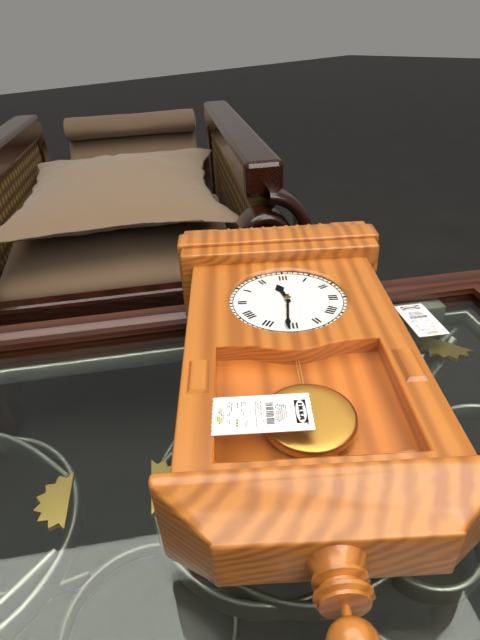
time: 11:31
